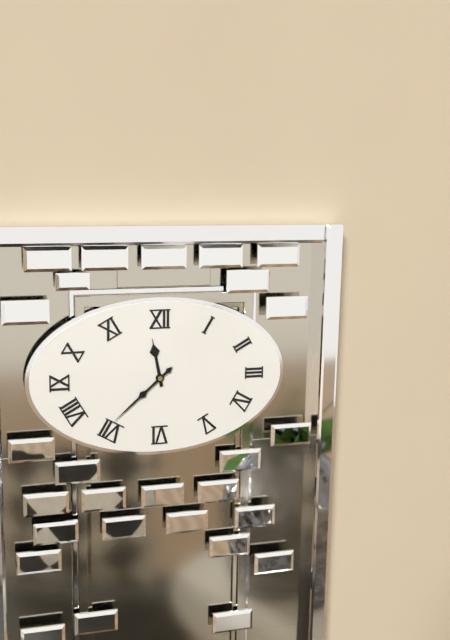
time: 11:38
